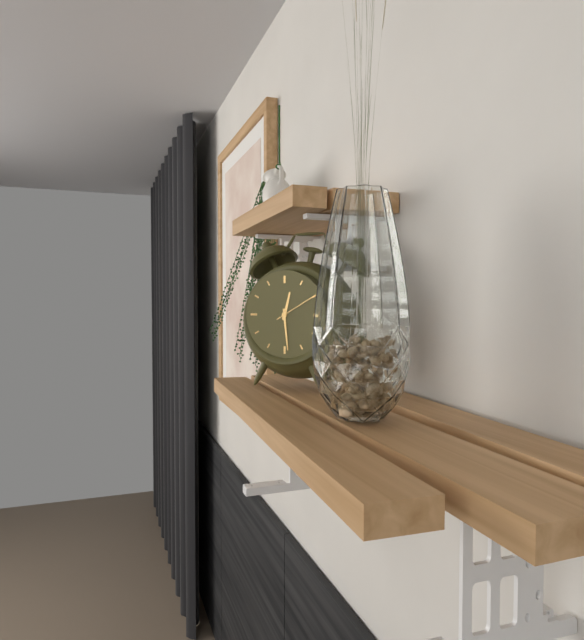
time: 12:29
